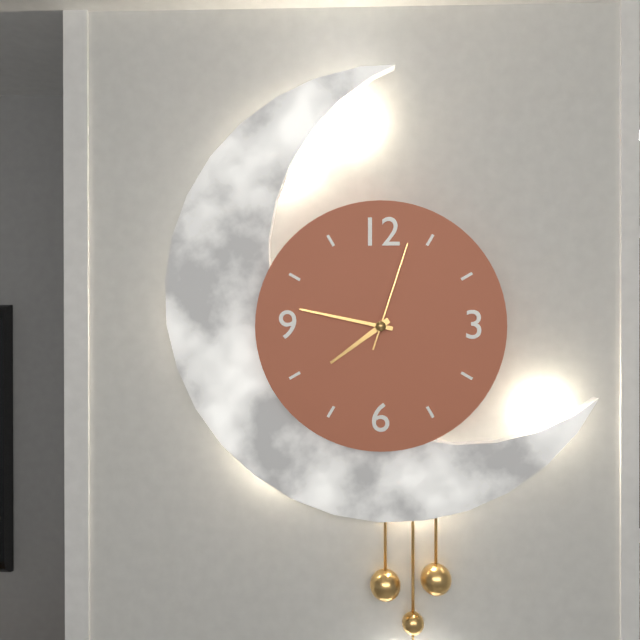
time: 7:47:03
